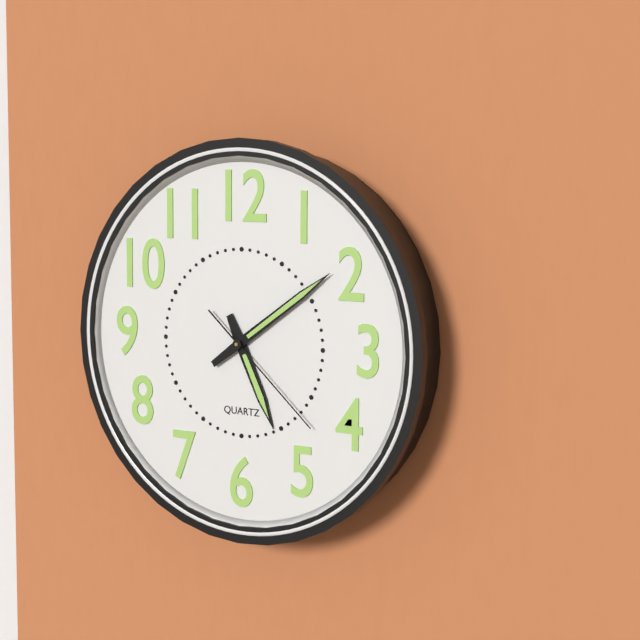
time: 5:09:22
